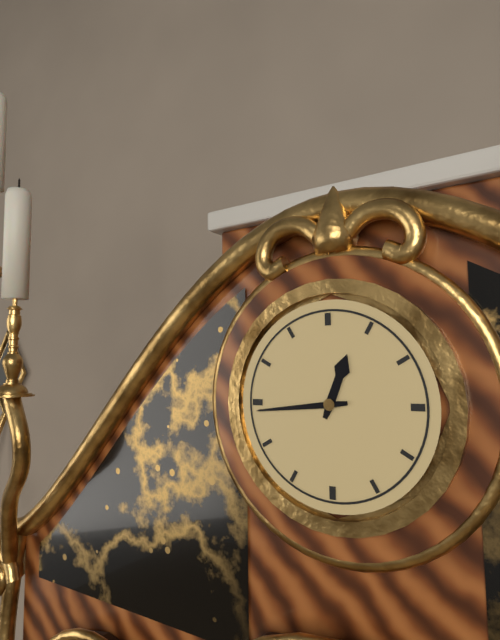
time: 12:44
